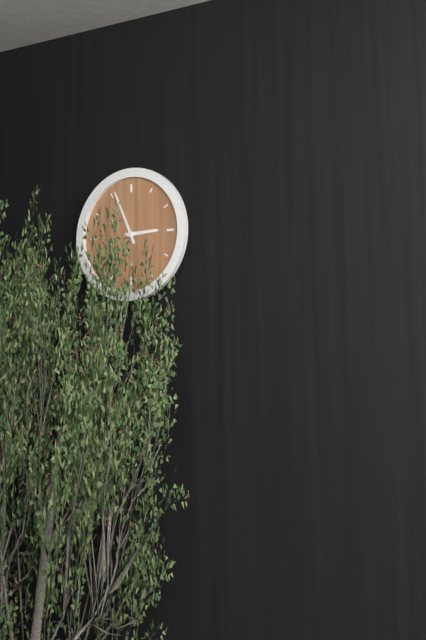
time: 2:56
